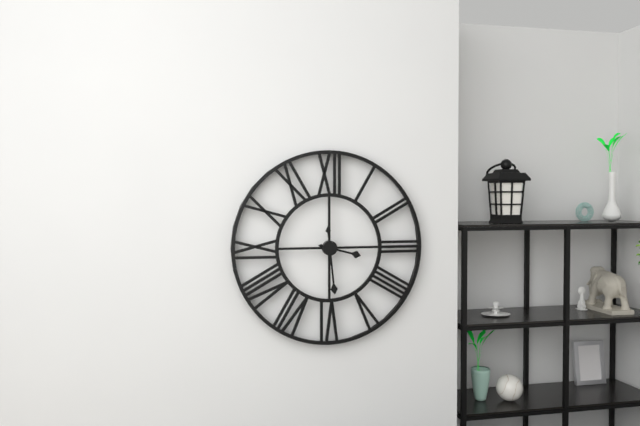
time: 3:29
